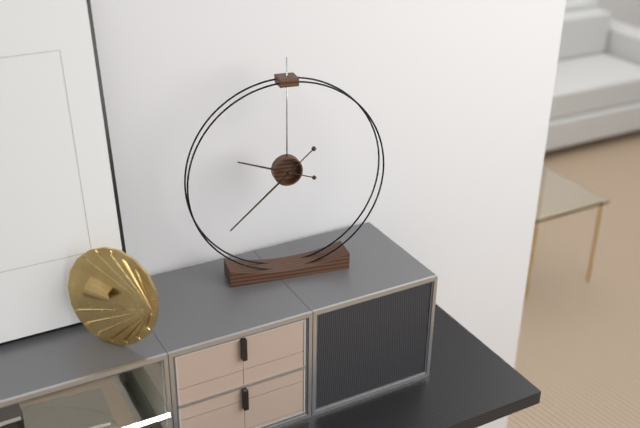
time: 9:38
